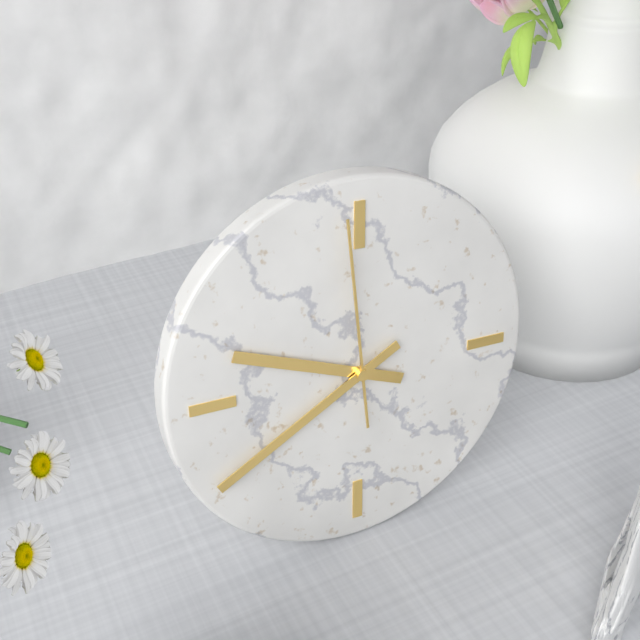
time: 9:40:59
